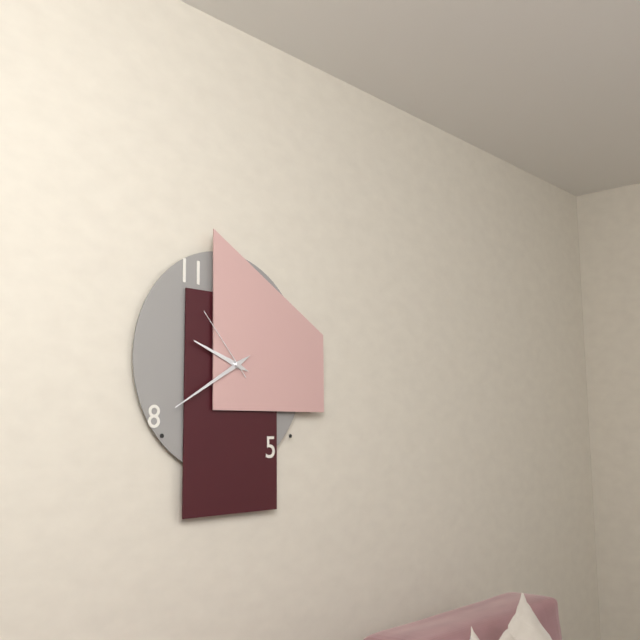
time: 9:40:53
